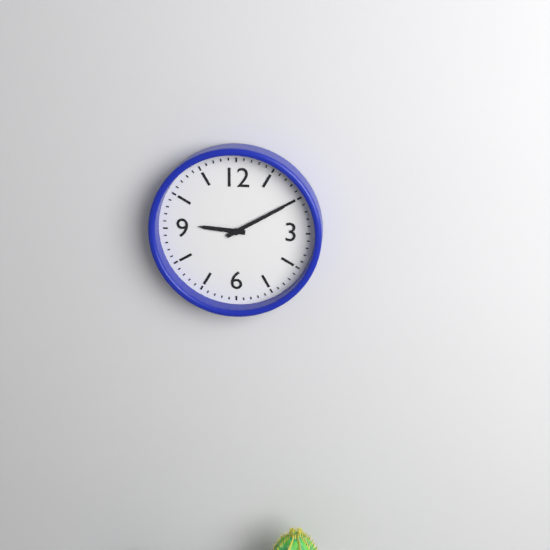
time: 9:10
